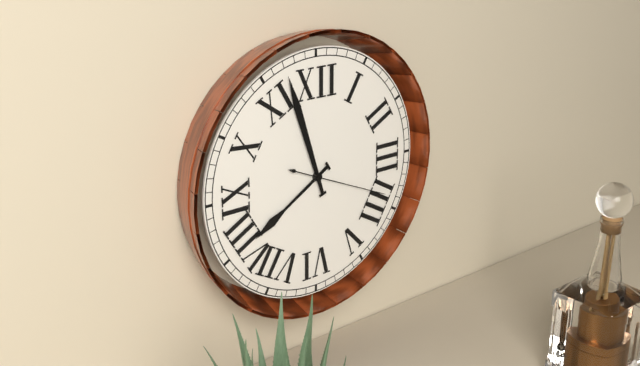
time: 7:57:19
